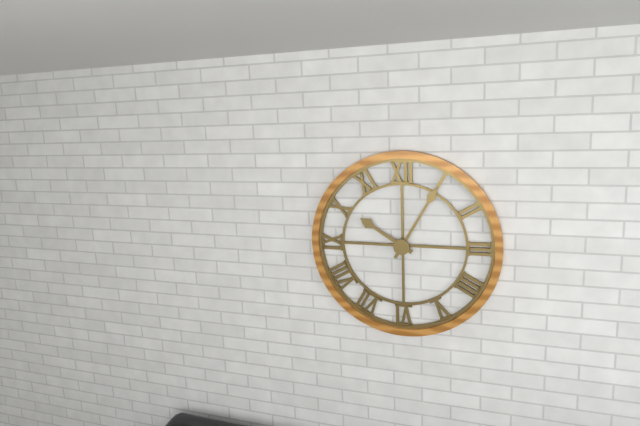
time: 10:05
